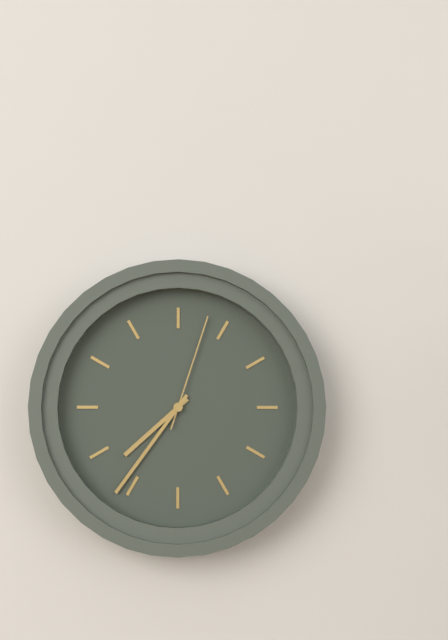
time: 7:36:03
